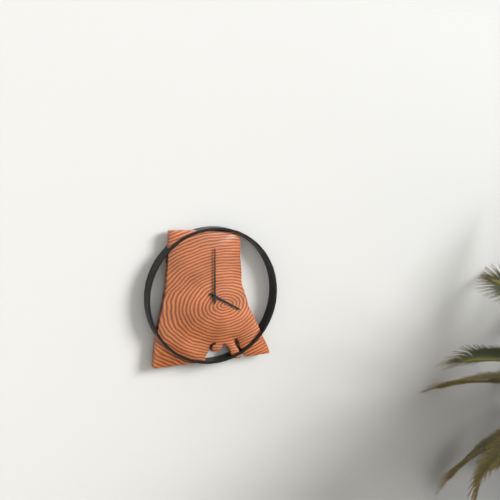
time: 4:00
